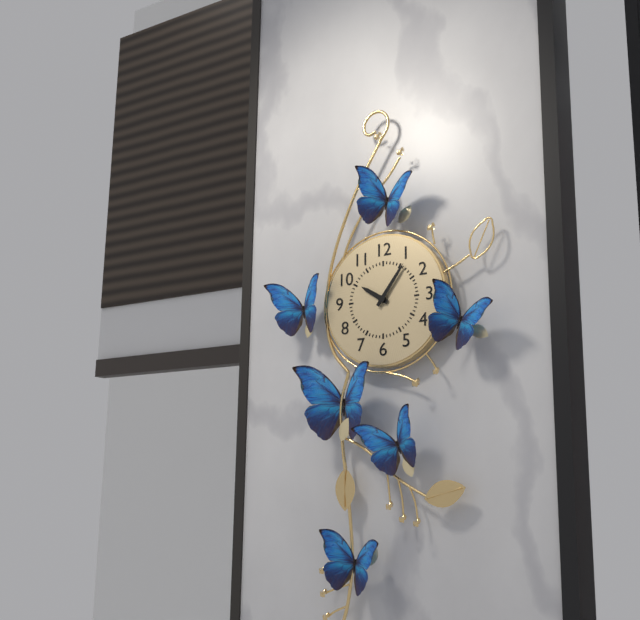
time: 10:06
